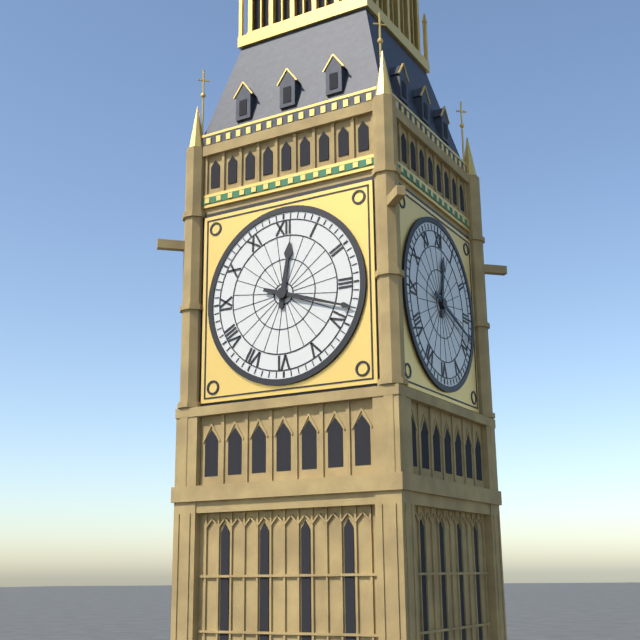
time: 12:18
